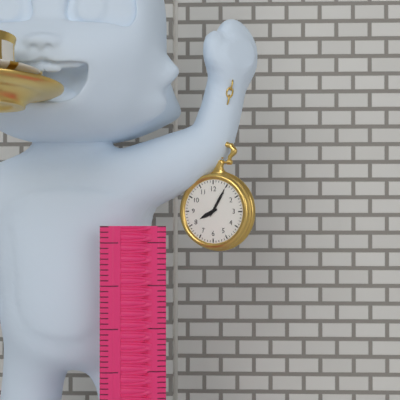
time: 8:05
